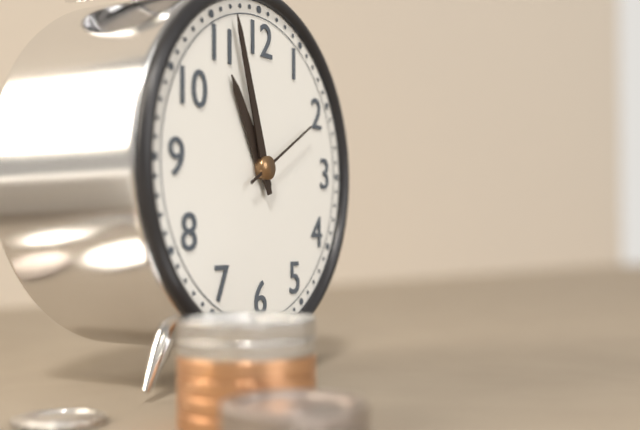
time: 10:57:10
